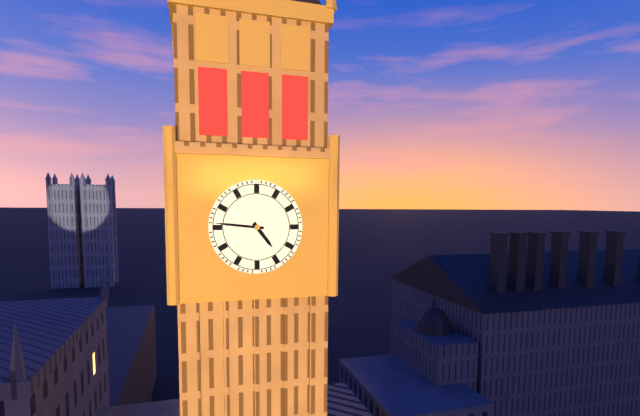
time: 4:46
